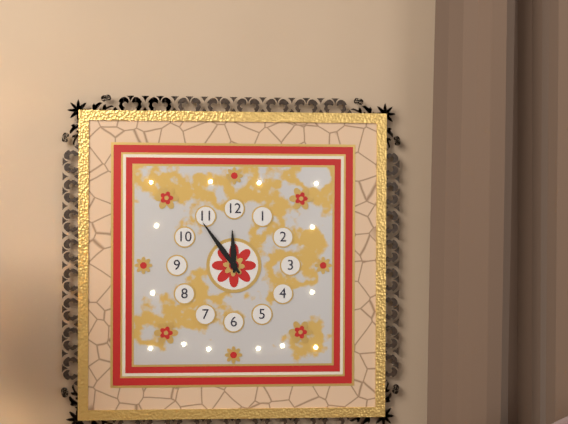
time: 11:54
